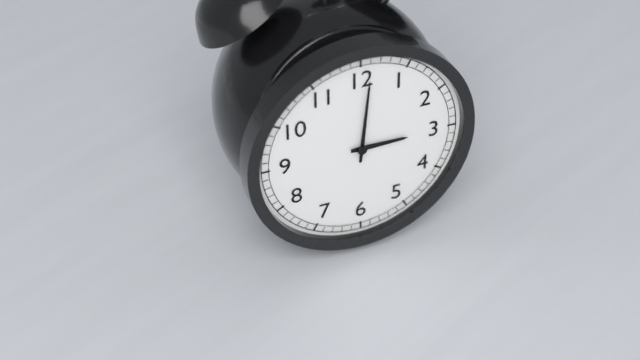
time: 3:01
